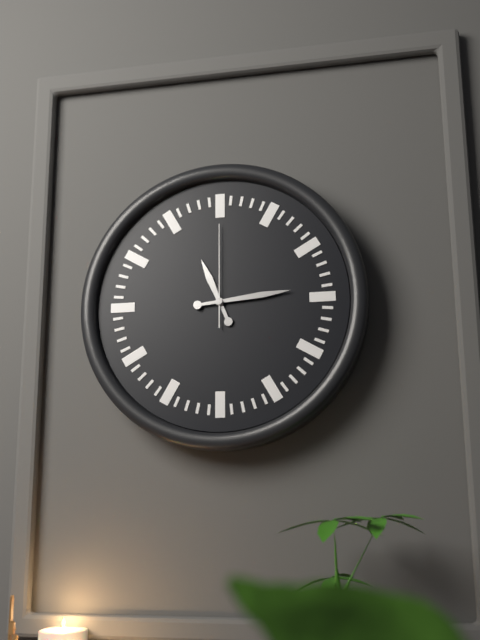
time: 11:14:00
